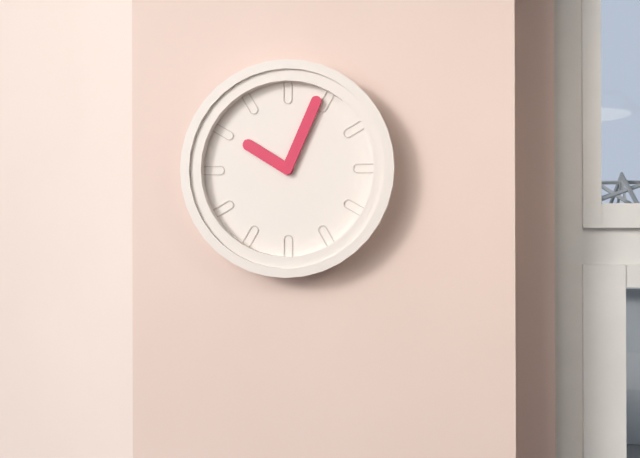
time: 10:04
